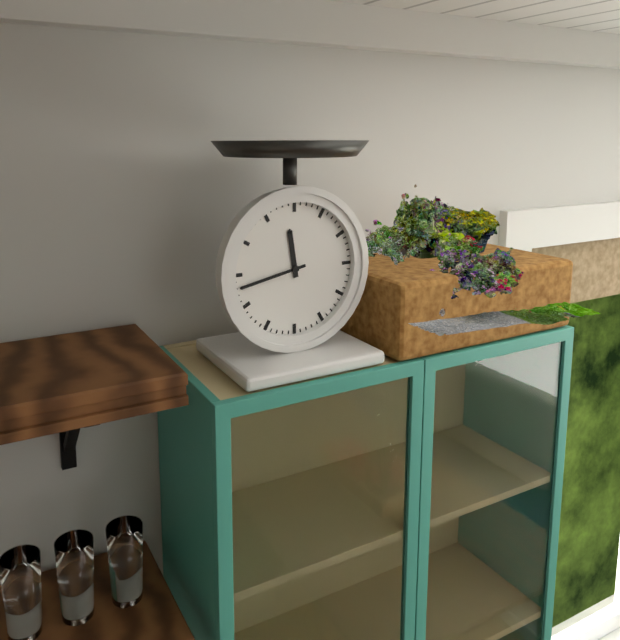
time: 11:43
